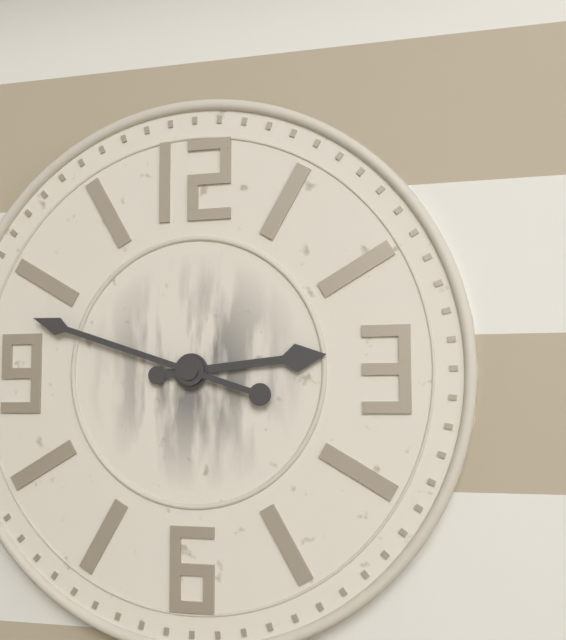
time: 2:48
